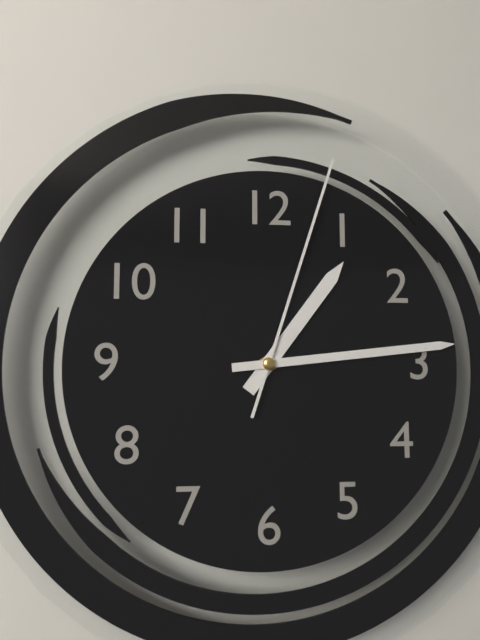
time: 1:14:03
